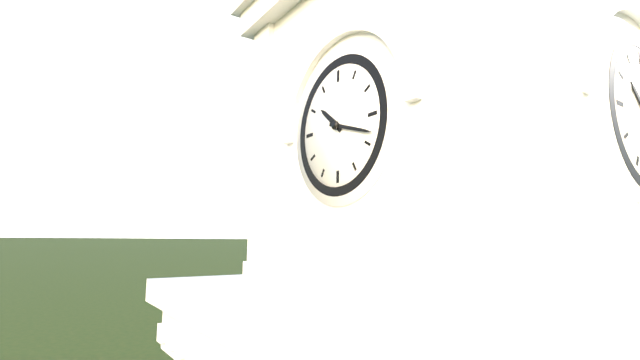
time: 10:18
